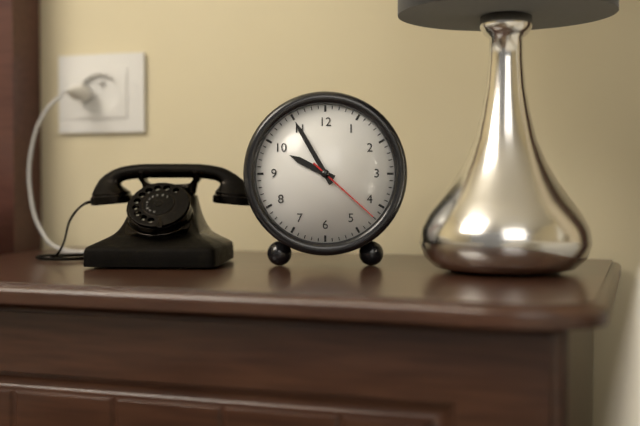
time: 9:55:22
